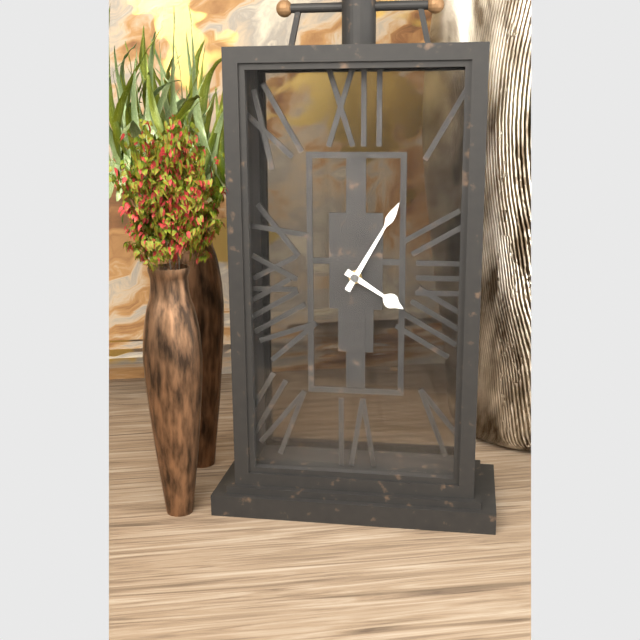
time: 4:05
